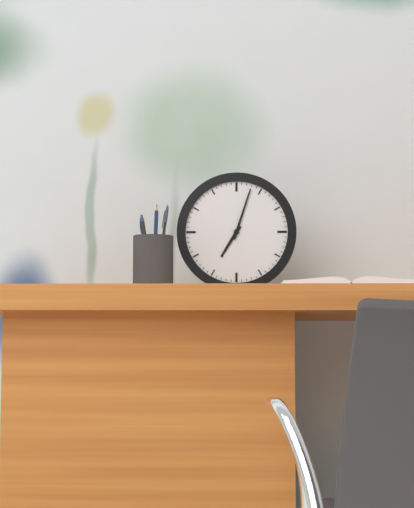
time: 7:03
